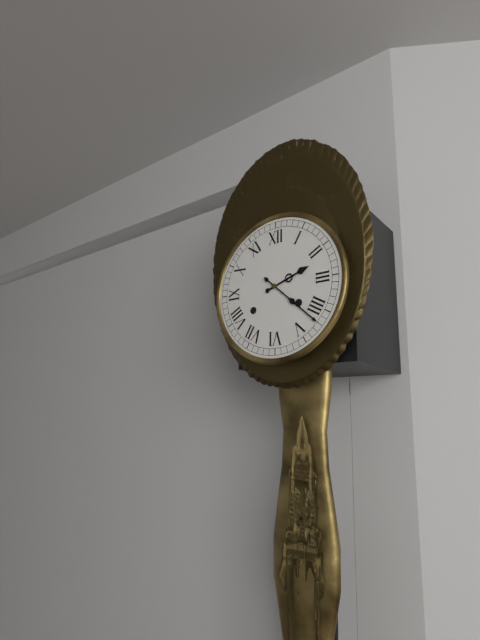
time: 2:22
